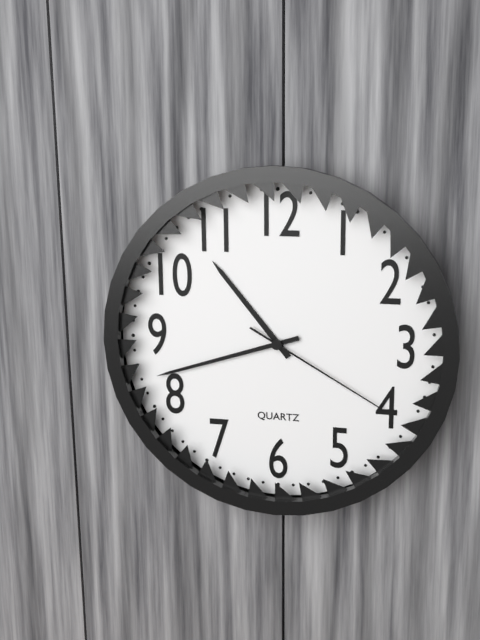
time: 10:42:20
